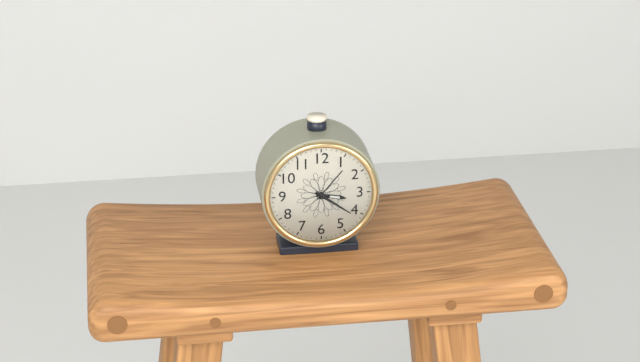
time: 3:21
